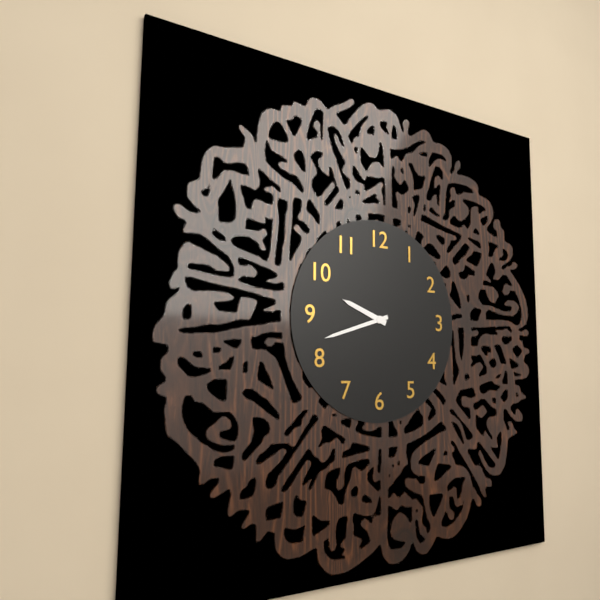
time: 9:42
